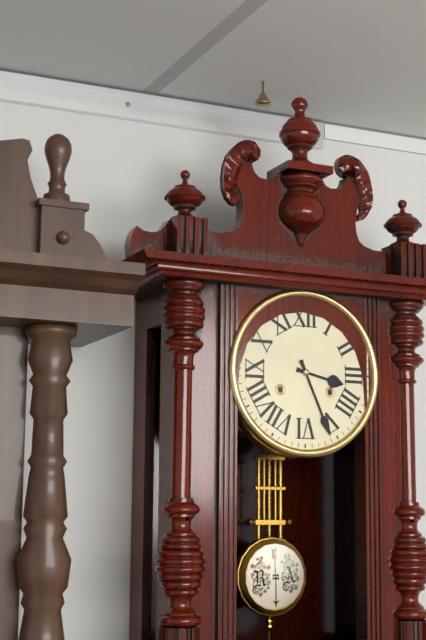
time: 3:26
